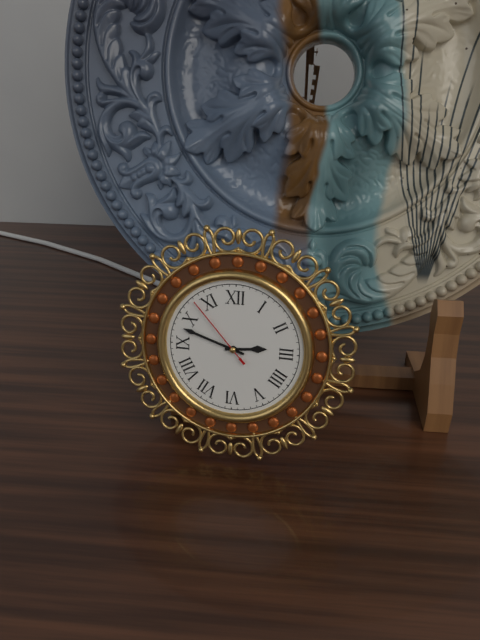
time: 2:48:53
